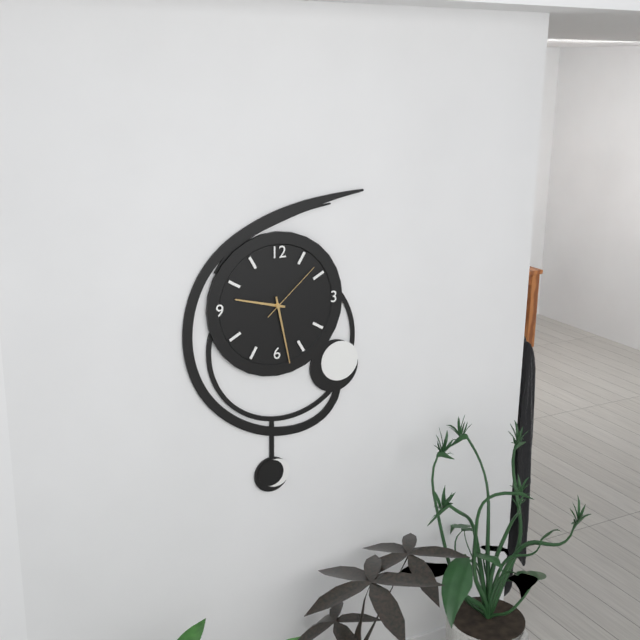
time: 9:28:08
